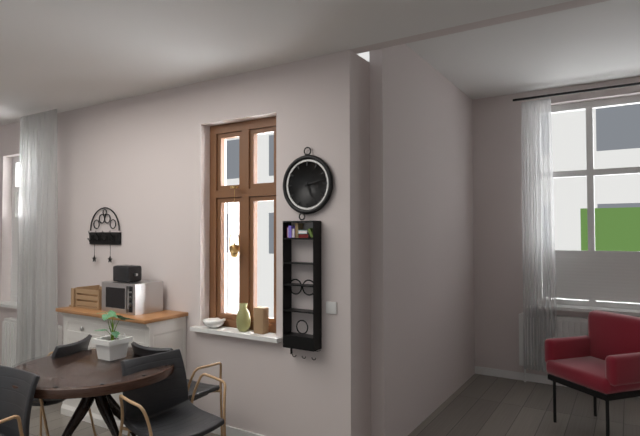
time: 5:13
